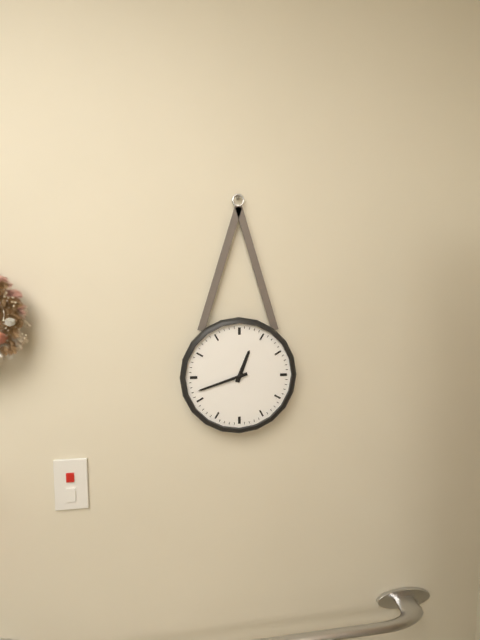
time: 12:42
